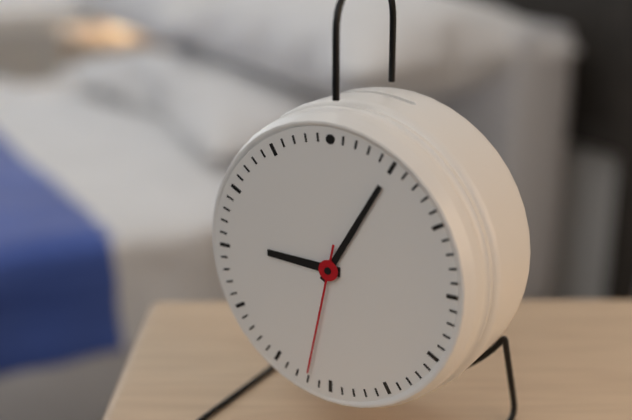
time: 9:05:32
